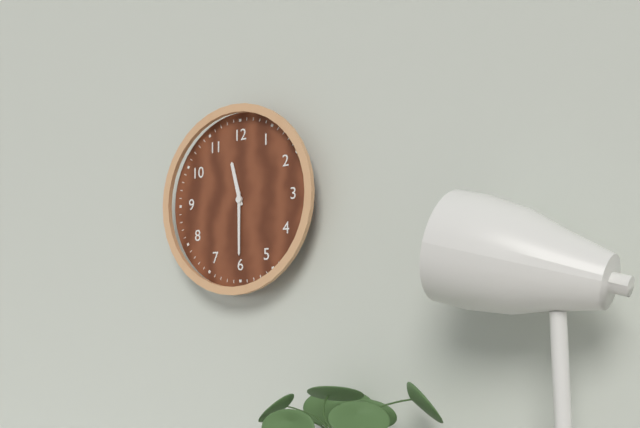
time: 11:30
